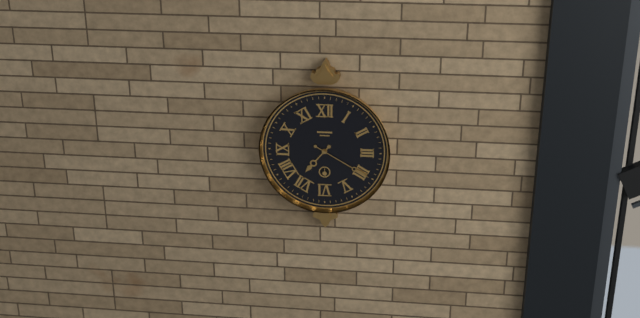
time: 7:20
